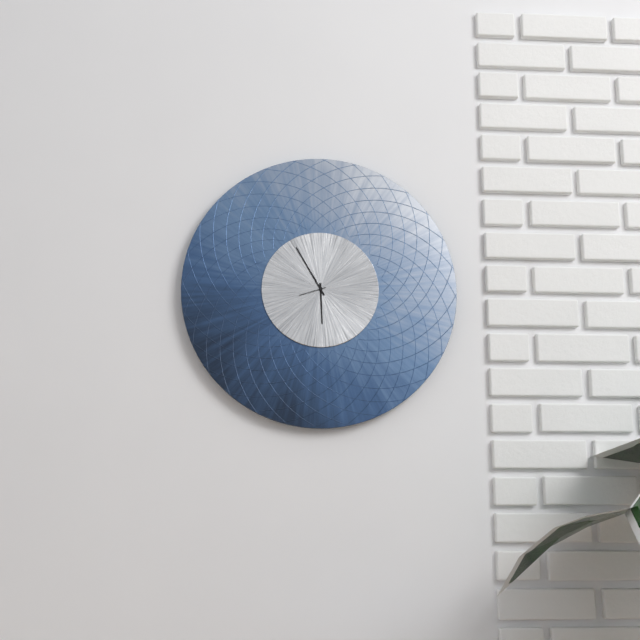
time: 5:55
